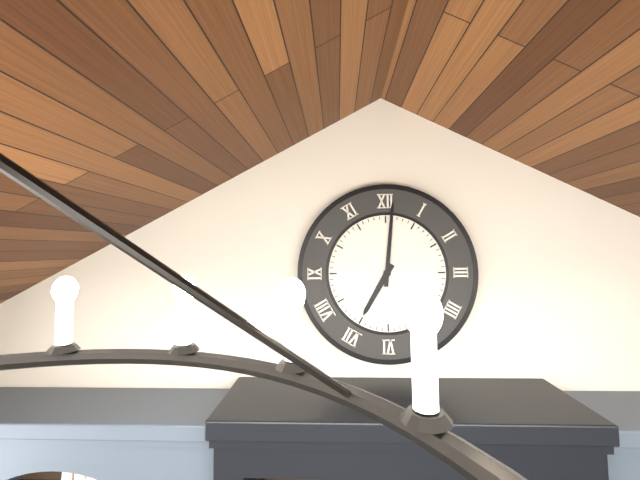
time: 7:01
